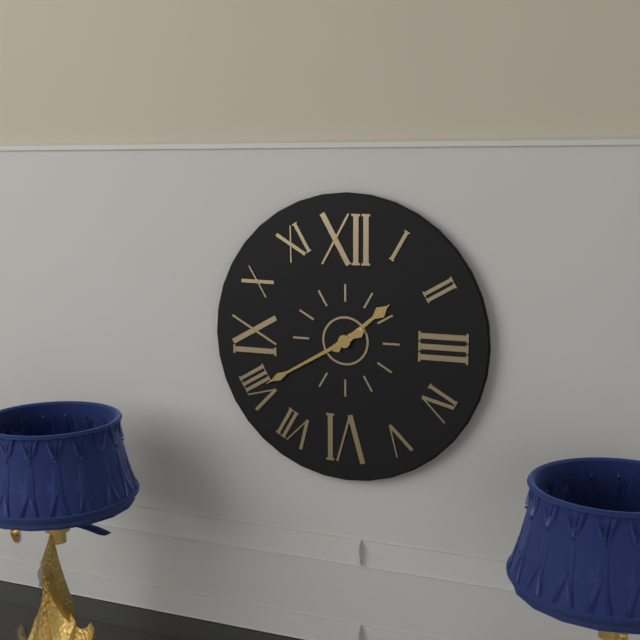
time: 1:40
